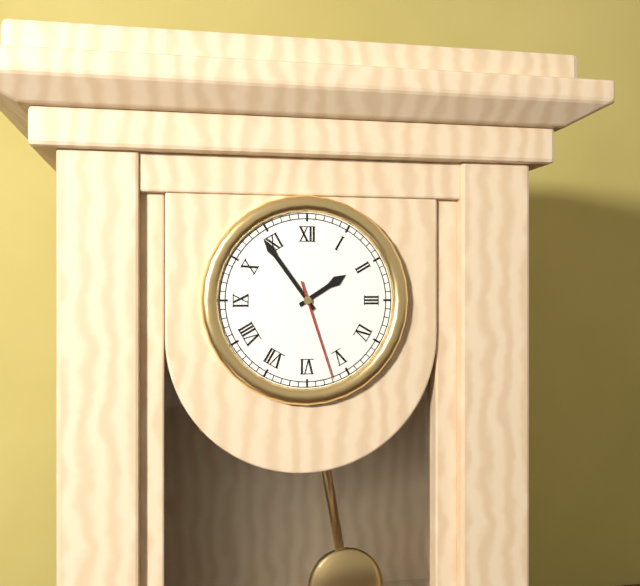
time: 1:54:27
